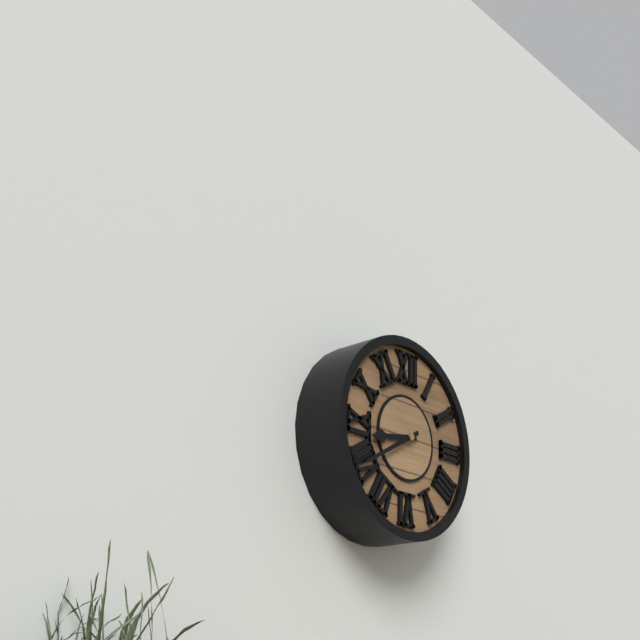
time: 8:40
